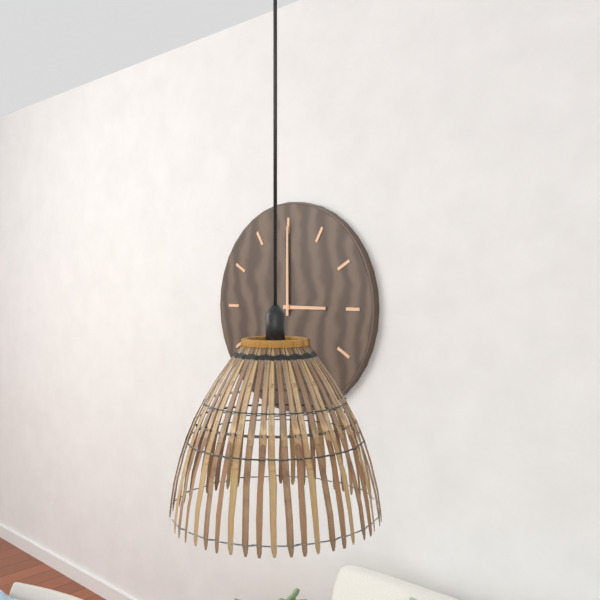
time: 3:00
